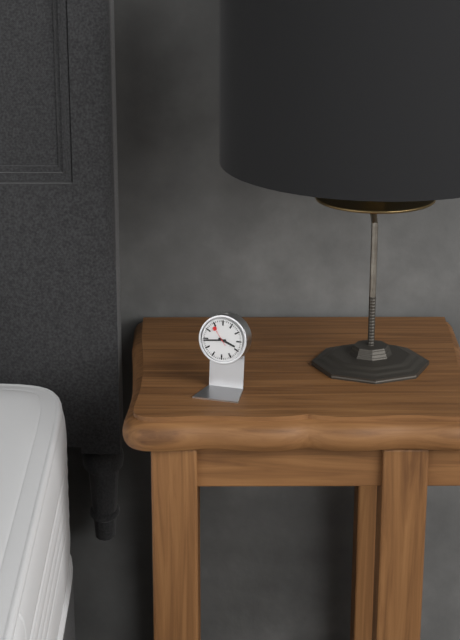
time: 3:44
